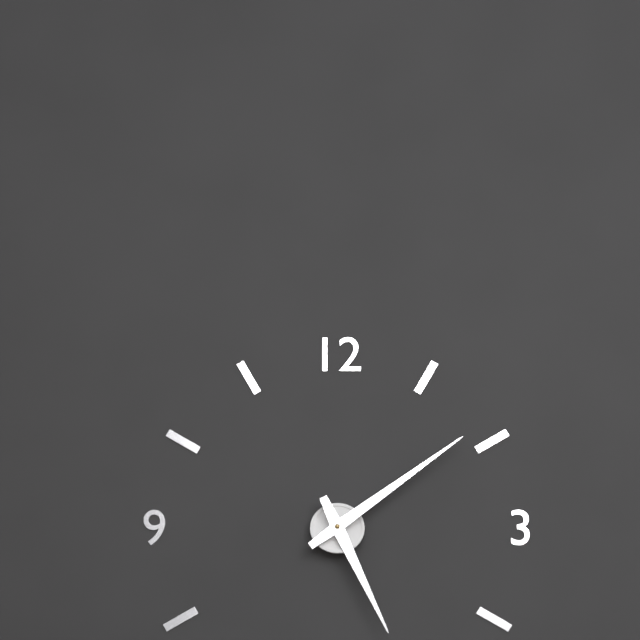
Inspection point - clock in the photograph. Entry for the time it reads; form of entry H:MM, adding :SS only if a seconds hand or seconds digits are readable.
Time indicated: 5:09
